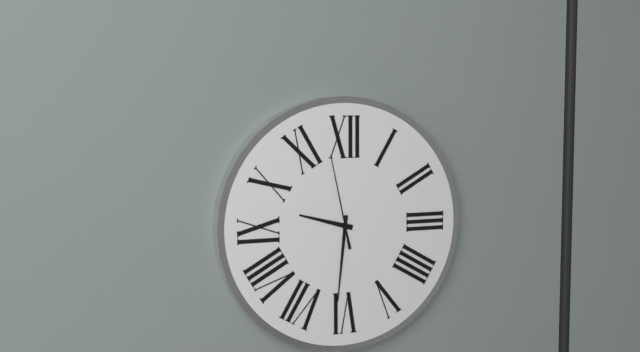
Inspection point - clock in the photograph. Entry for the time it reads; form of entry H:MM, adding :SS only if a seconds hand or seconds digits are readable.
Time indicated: 9:31:58
